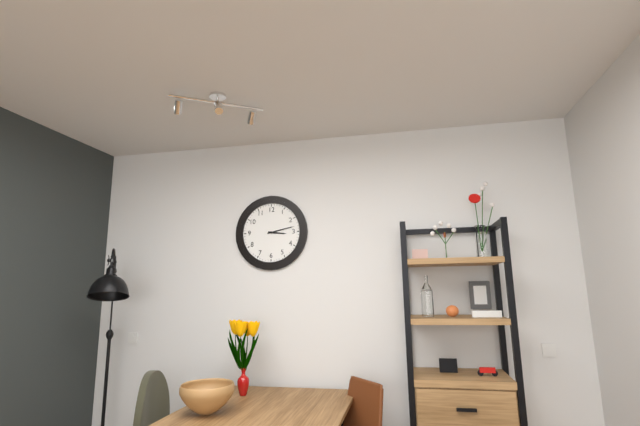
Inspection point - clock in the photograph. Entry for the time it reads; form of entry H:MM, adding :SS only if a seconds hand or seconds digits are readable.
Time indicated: 3:13
